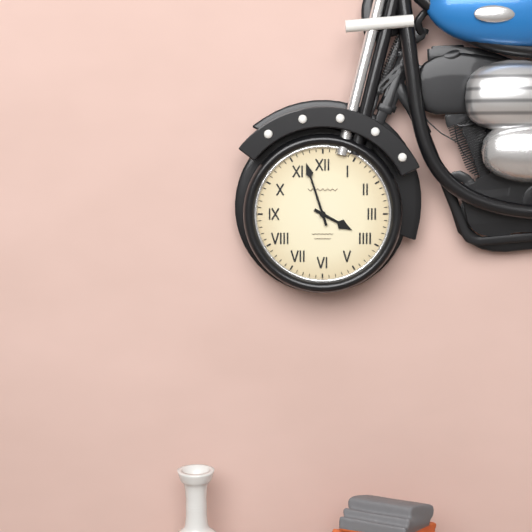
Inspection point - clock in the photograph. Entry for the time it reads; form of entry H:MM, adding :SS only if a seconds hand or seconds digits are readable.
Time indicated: 3:57
